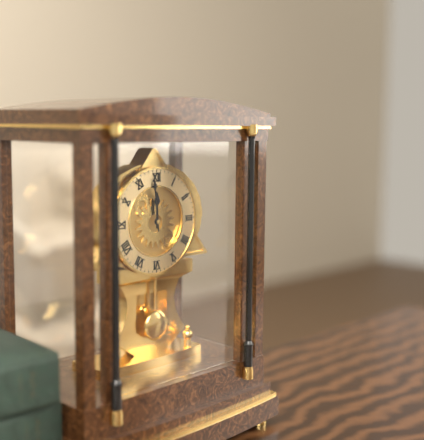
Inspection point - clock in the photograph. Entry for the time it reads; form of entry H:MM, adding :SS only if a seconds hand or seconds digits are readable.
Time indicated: 11:59
